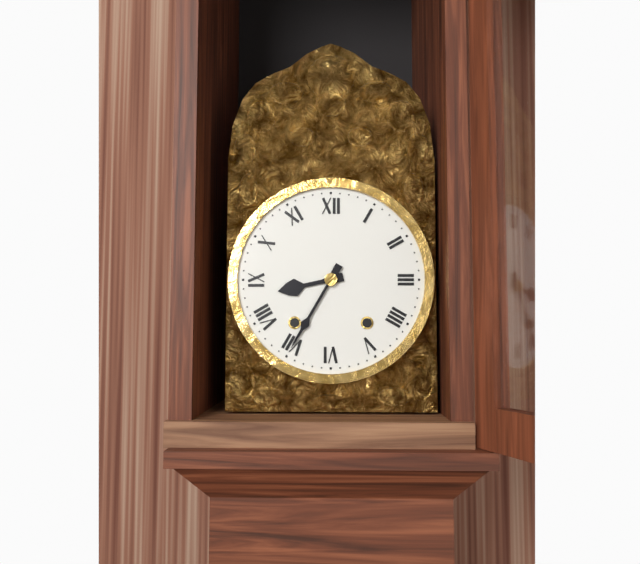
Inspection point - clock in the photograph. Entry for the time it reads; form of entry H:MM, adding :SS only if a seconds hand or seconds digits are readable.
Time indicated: 8:35
